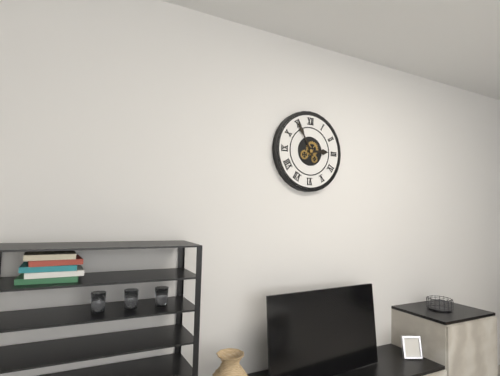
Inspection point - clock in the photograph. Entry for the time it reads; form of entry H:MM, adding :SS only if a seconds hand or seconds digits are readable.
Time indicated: 2:55
